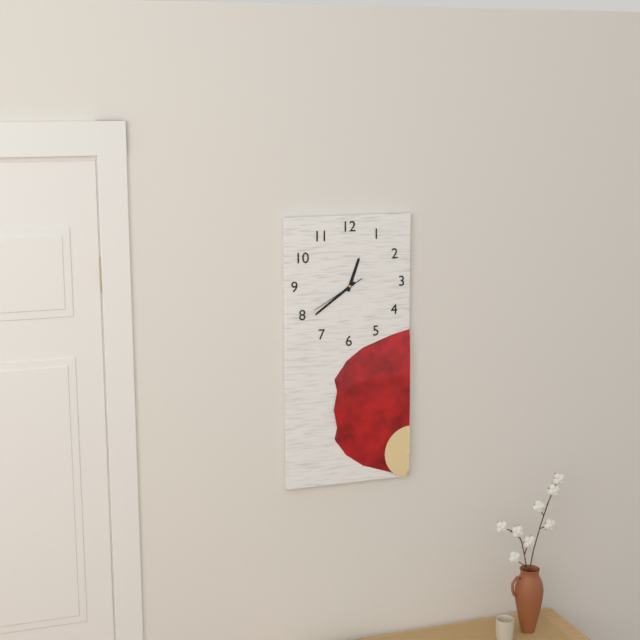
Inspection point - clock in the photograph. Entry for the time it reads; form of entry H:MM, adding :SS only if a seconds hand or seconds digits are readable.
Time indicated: 12:39:40
